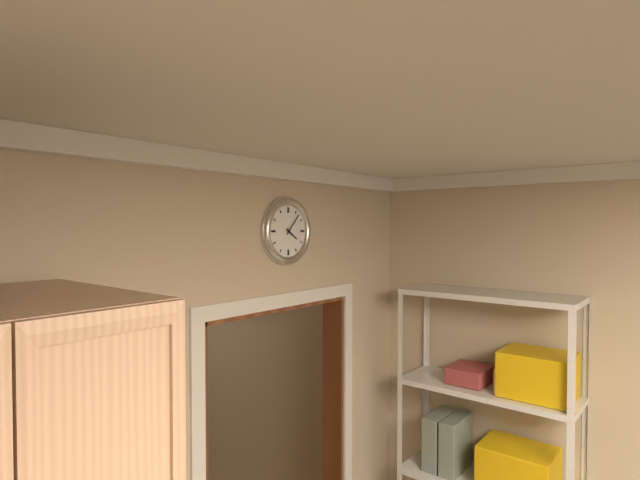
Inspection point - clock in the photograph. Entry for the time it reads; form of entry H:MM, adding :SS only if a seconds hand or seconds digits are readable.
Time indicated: 4:07
